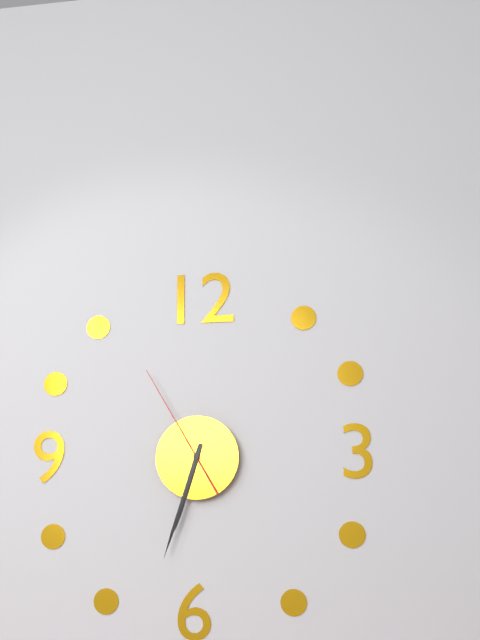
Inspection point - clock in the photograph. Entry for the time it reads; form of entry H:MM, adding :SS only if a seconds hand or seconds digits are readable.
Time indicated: 6:33:55
